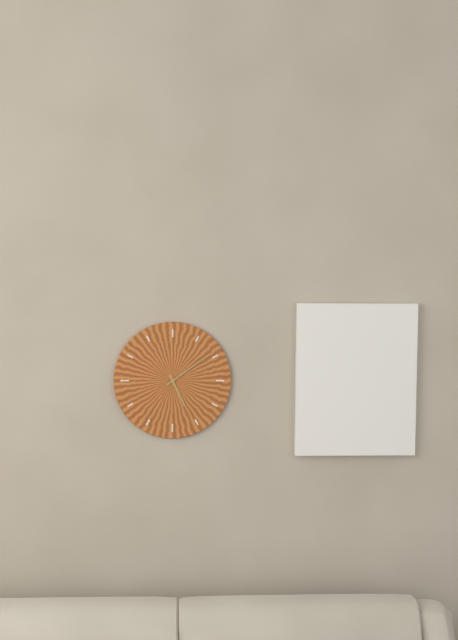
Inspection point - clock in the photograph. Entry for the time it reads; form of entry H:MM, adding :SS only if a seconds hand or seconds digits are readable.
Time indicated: 5:09
